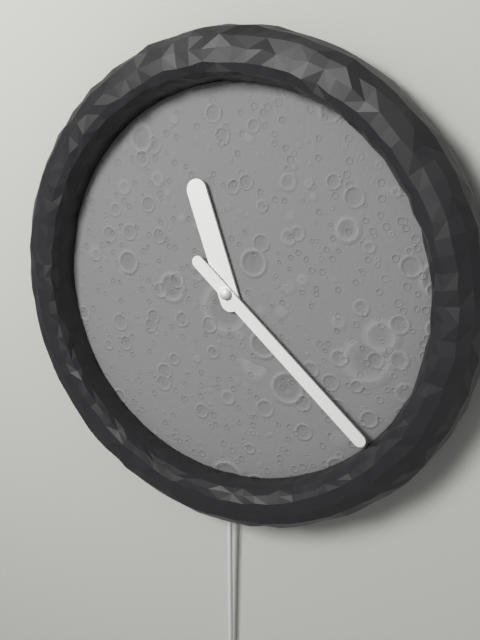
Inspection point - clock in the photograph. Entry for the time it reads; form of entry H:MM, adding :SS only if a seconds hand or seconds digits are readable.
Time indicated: 11:22
